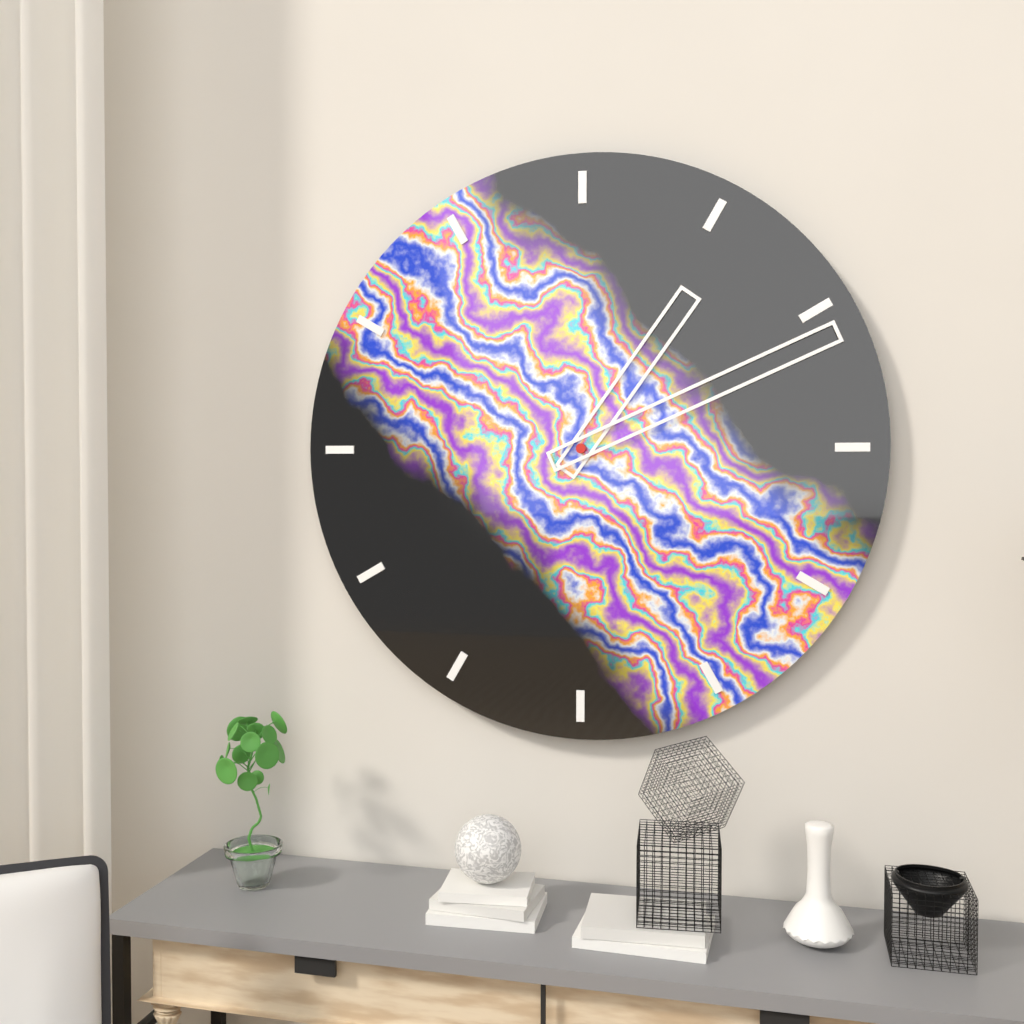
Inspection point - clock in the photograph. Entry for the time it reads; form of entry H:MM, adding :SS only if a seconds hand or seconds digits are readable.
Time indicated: 1:11
